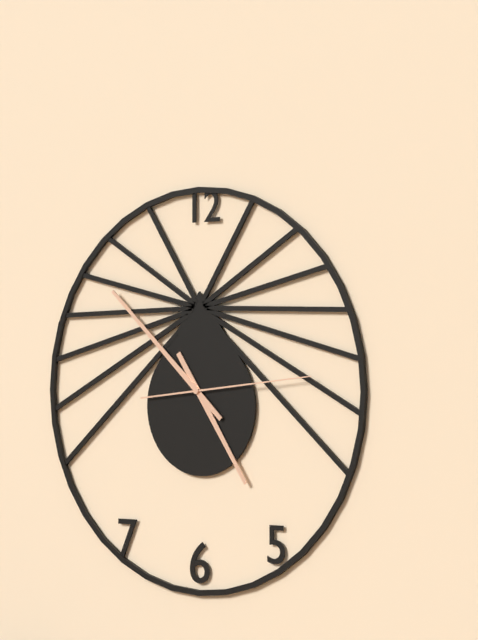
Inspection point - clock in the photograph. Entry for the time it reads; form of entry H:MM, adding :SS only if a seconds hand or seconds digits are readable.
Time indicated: 4:52:14
